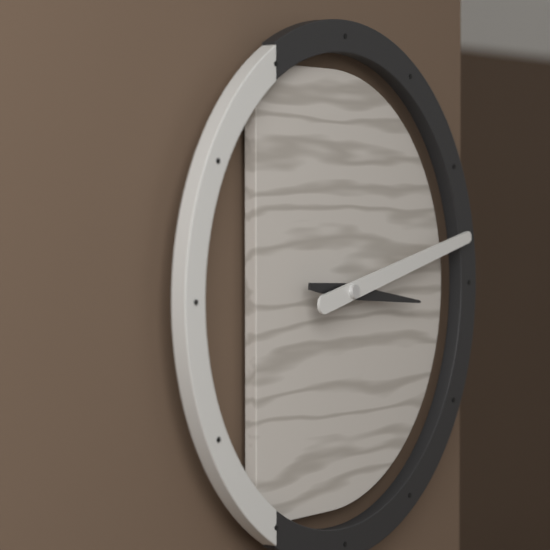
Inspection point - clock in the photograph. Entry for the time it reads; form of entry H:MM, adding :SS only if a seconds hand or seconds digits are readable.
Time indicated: 3:13
